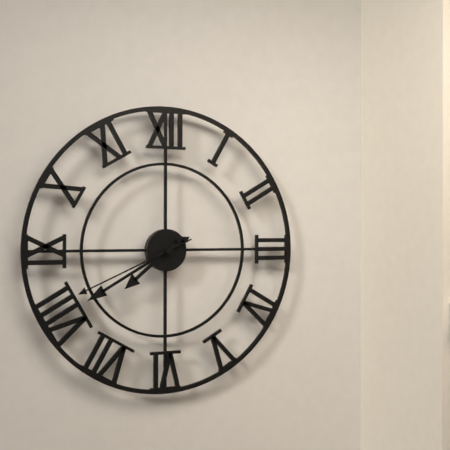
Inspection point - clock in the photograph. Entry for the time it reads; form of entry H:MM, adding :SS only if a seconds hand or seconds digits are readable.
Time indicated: 7:40:41
